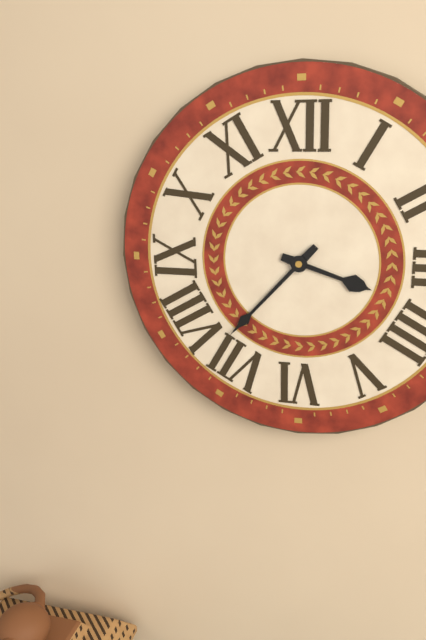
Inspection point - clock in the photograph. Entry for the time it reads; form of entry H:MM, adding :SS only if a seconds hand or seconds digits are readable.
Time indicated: 3:37
